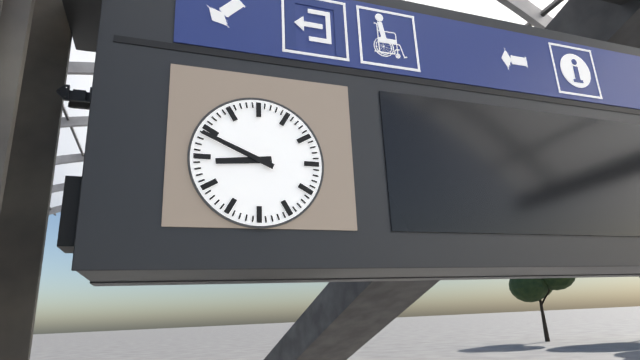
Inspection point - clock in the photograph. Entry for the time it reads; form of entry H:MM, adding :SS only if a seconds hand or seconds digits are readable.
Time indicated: 8:49
